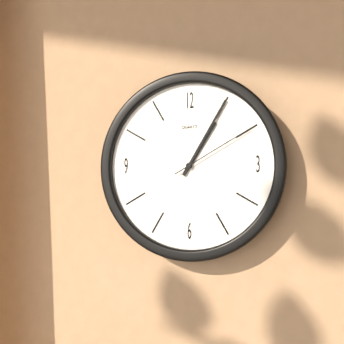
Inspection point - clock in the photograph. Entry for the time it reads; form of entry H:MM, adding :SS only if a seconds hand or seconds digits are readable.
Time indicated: 1:05:10
